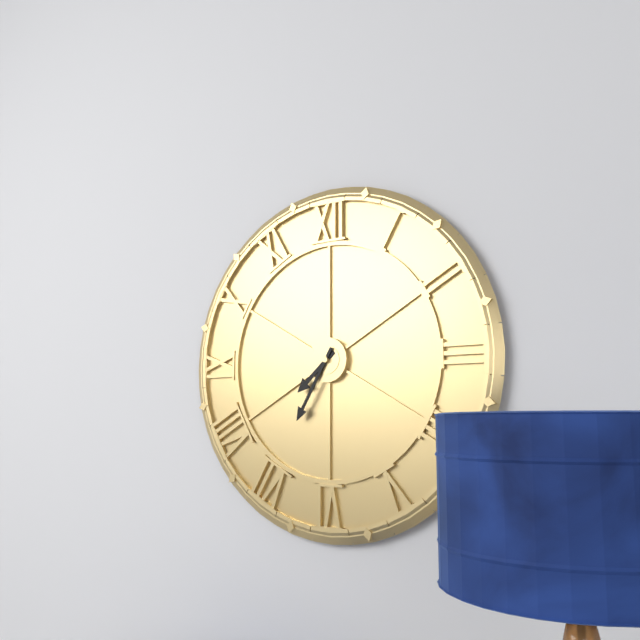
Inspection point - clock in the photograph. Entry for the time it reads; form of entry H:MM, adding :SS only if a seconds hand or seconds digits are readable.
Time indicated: 7:35
